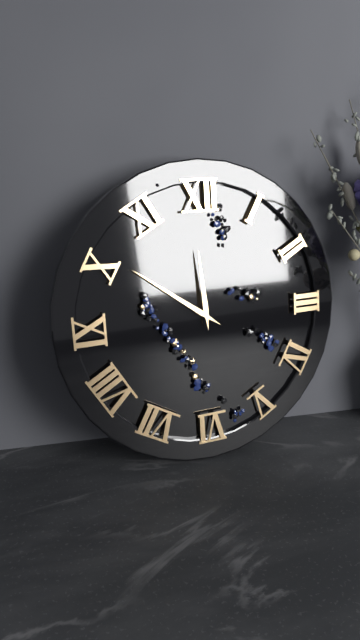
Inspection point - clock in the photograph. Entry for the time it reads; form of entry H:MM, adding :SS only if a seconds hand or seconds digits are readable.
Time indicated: 11:51
